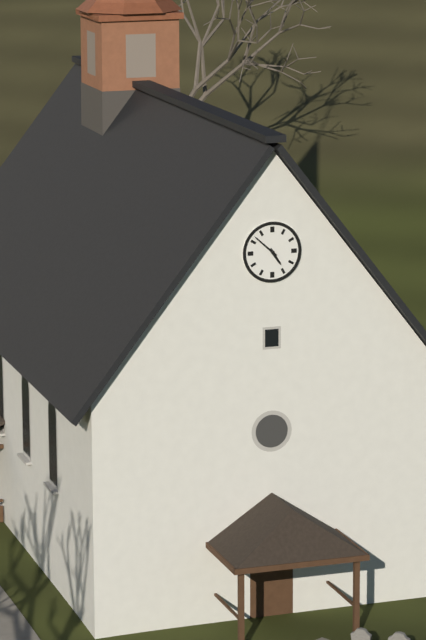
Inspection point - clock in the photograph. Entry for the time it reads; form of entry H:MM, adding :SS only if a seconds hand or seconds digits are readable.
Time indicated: 4:52
